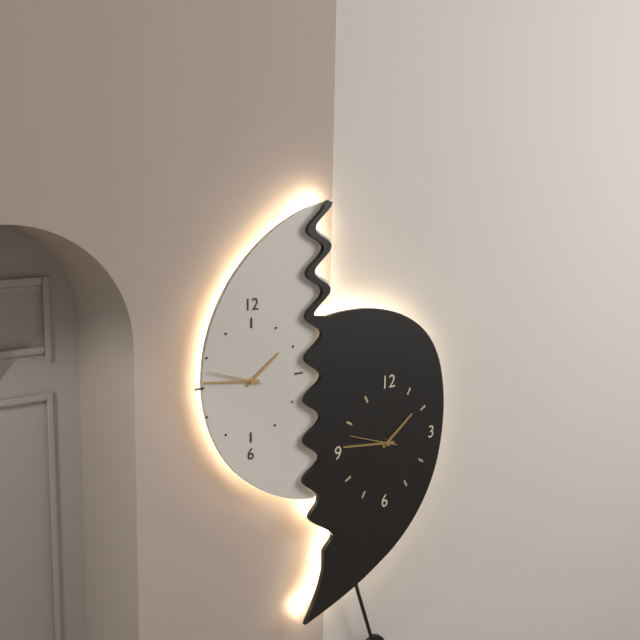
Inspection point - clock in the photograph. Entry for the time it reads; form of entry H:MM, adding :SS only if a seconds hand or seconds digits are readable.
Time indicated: 1:46:48
